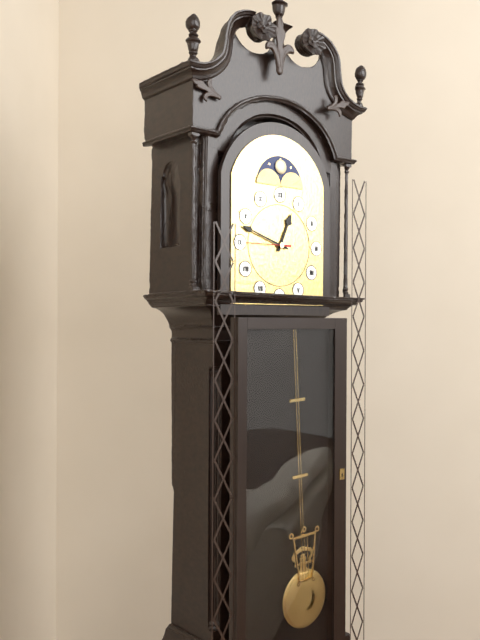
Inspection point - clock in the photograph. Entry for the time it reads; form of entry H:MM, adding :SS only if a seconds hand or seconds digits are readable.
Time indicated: 12:48
